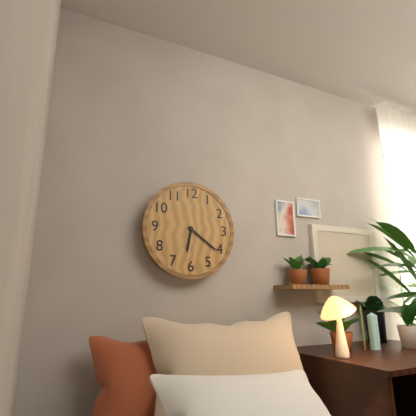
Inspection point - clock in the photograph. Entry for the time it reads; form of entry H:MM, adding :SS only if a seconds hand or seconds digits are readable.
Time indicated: 6:21
